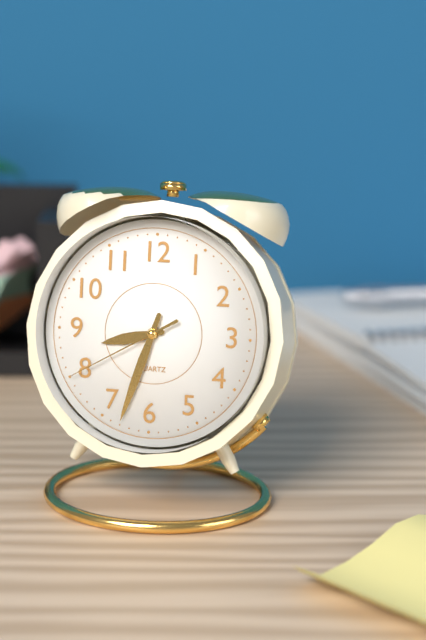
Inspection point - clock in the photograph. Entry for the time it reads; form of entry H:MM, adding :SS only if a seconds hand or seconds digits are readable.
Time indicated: 8:33:40
